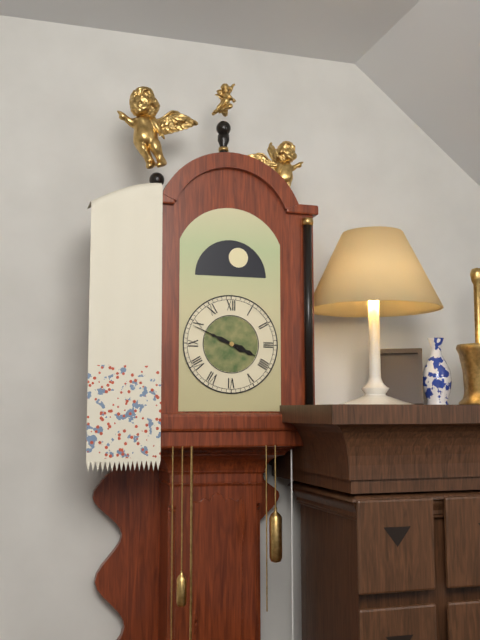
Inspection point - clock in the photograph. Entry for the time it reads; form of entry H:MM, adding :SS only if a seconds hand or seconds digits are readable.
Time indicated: 3:49
